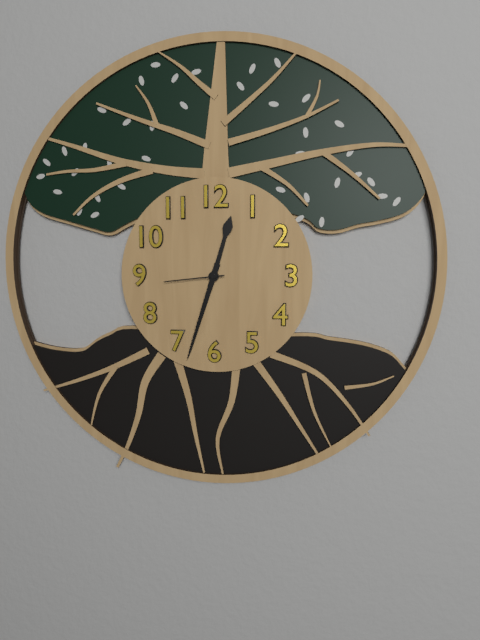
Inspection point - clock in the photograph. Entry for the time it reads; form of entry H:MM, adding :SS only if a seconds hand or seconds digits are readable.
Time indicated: 12:33:44
